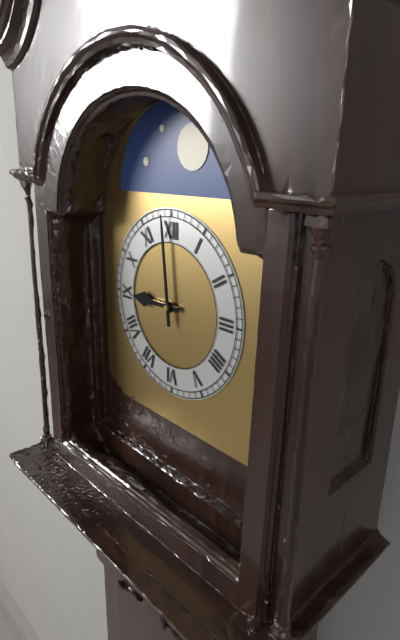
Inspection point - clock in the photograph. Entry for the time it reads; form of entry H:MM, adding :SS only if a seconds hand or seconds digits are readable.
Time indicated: 8:59
